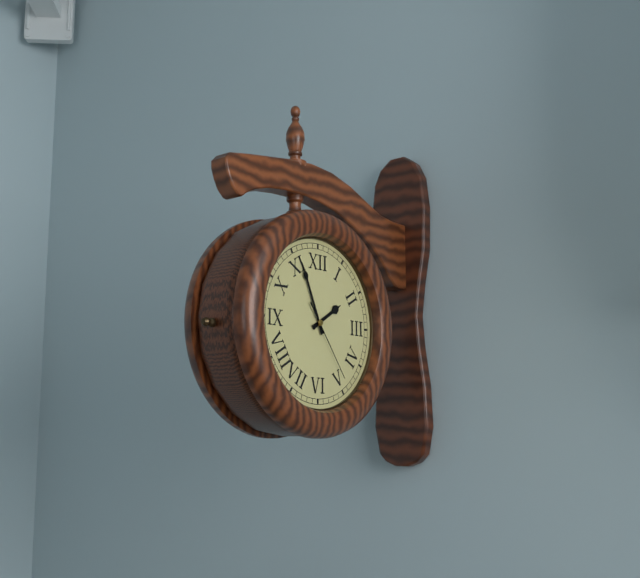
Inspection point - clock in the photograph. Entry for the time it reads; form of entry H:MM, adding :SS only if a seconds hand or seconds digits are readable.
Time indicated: 1:56:24
